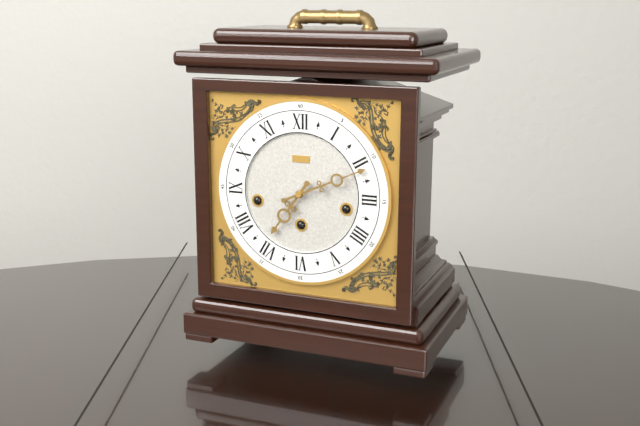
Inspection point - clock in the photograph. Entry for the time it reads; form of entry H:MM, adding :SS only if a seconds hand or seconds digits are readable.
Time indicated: 7:11
